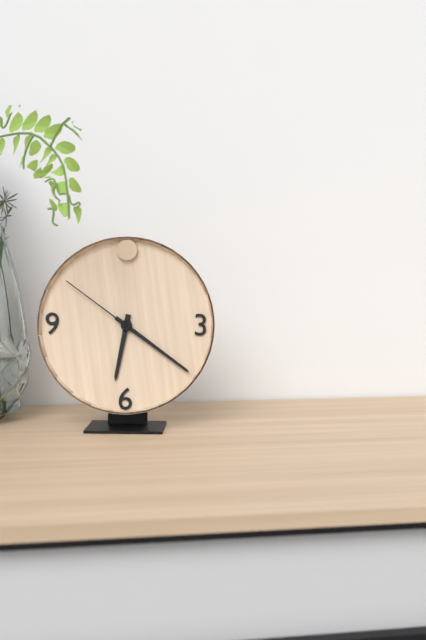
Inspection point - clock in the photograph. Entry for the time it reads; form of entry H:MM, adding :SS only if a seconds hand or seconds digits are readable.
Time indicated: 6:21:51
